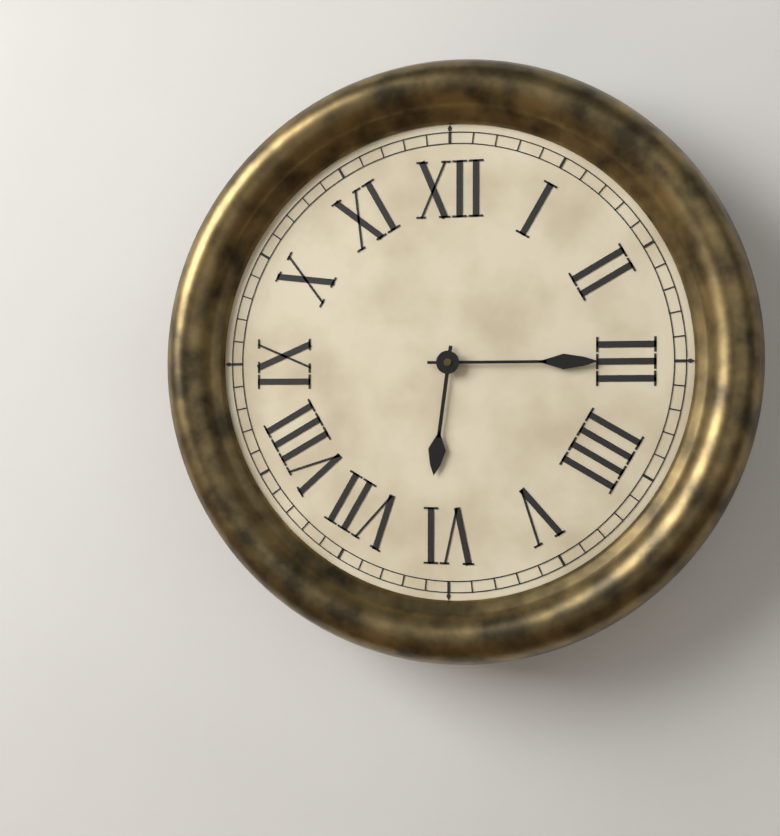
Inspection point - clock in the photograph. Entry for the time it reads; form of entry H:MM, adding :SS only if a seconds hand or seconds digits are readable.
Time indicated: 6:15
